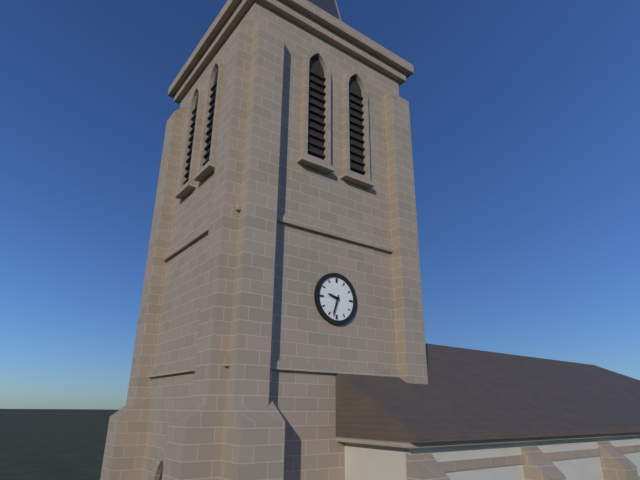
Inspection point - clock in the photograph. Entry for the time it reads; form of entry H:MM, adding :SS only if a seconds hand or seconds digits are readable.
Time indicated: 9:33
